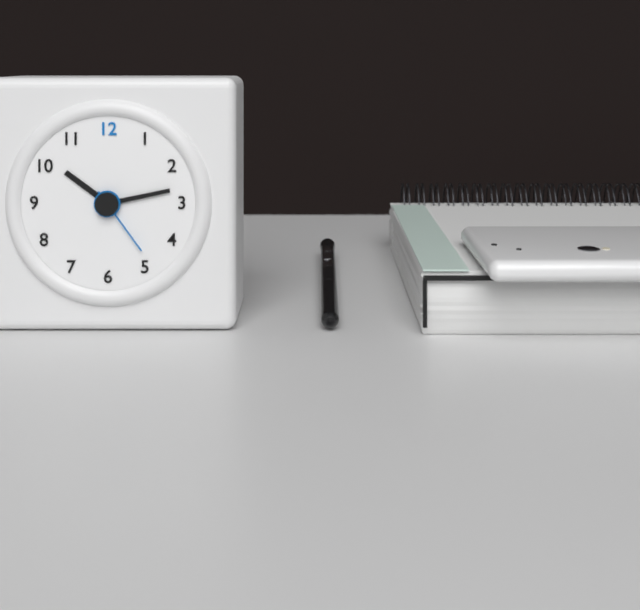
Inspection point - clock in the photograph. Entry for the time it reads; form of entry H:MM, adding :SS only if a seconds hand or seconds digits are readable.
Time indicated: 10:13:24
